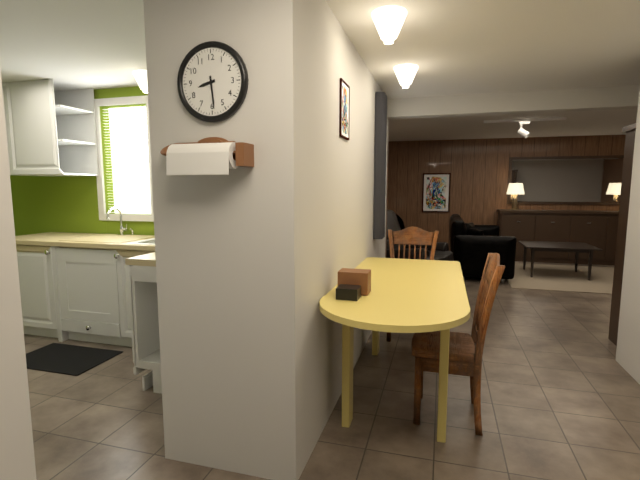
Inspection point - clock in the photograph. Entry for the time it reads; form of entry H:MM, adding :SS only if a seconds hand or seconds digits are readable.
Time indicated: 8:29
